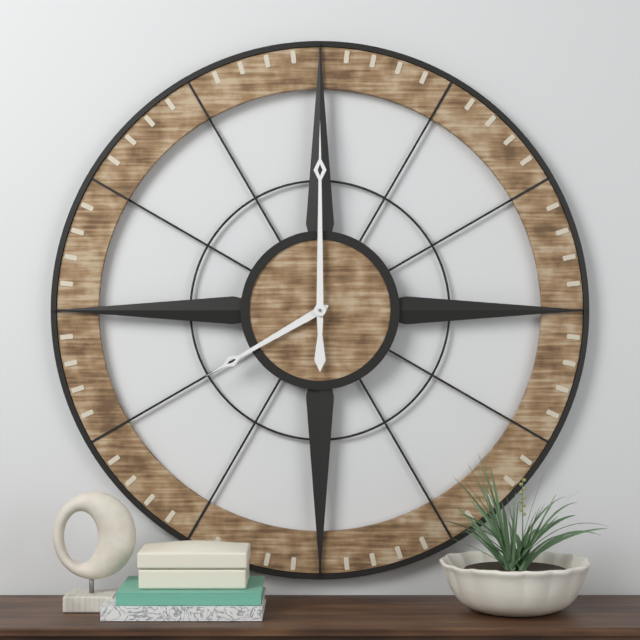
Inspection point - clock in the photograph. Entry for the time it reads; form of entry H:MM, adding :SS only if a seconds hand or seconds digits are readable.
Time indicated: 8:00
